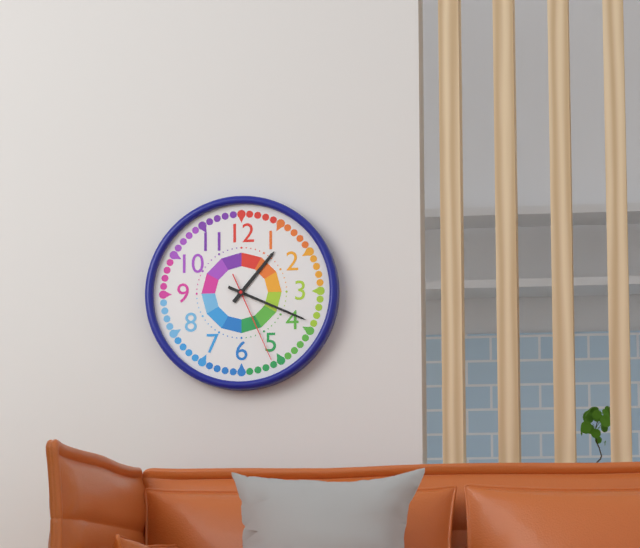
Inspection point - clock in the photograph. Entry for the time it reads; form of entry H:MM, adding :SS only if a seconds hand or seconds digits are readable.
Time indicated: 1:19:26
